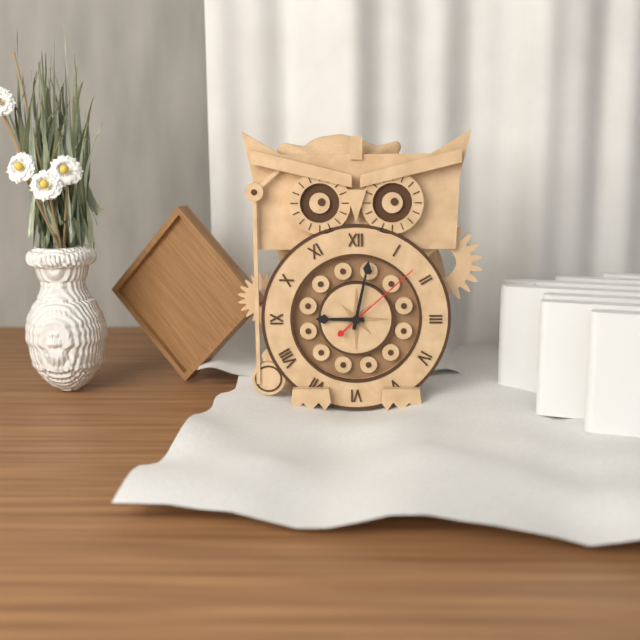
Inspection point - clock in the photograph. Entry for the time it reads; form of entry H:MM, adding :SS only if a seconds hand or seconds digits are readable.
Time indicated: 9:02:08
